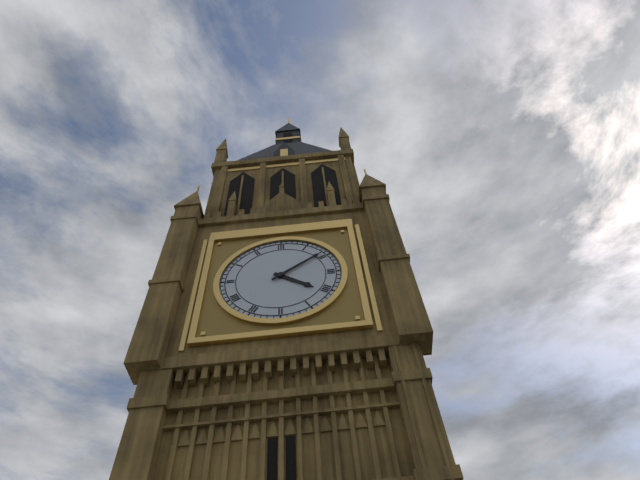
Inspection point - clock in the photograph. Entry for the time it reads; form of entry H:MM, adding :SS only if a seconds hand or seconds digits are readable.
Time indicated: 4:09
